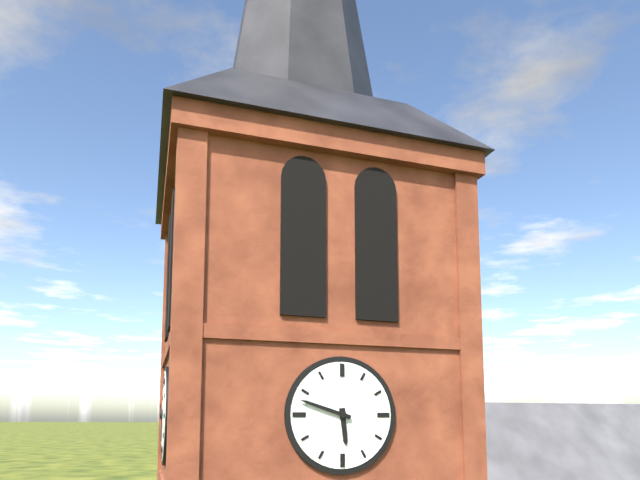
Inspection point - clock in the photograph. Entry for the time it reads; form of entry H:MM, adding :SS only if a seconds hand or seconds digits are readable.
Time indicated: 5:48
